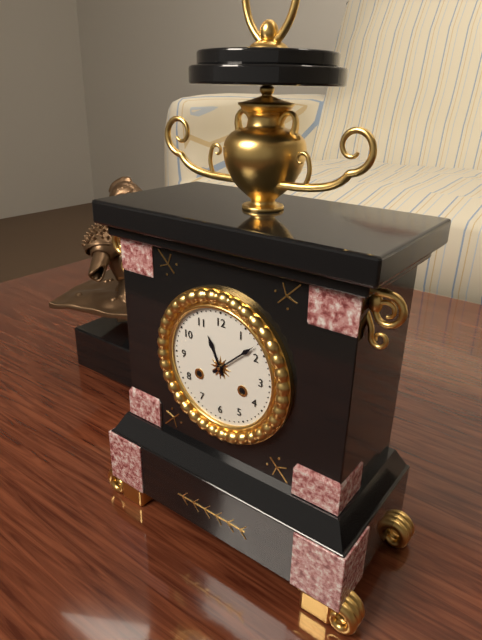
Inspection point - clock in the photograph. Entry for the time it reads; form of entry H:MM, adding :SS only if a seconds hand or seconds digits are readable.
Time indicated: 11:08
